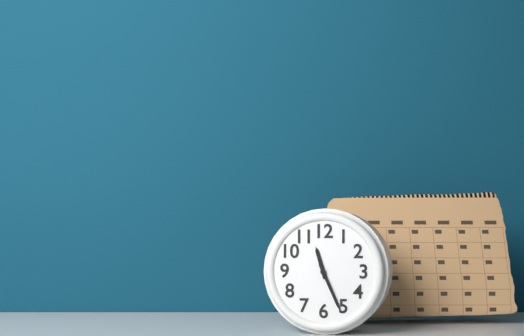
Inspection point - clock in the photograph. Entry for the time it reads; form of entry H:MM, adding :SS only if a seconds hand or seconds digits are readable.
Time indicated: 11:26
